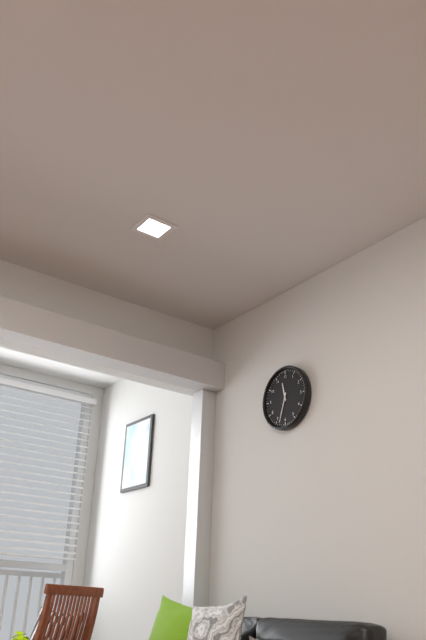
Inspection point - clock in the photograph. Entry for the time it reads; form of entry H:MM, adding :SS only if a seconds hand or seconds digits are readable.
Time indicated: 11:33
